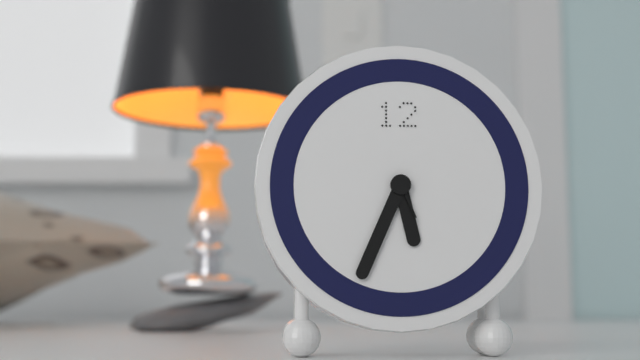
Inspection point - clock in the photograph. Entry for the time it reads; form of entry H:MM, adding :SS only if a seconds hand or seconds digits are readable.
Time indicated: 5:34
